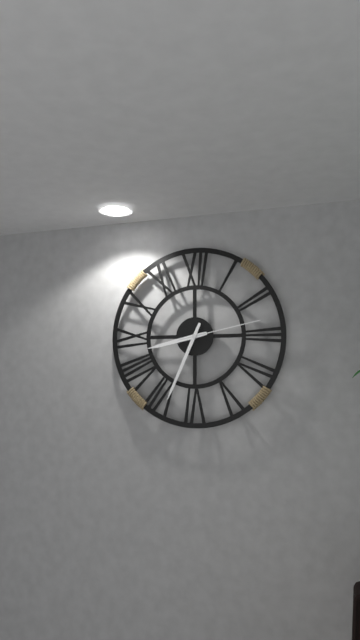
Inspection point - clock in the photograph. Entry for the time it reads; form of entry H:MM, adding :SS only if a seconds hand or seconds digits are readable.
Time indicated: 8:34:13
